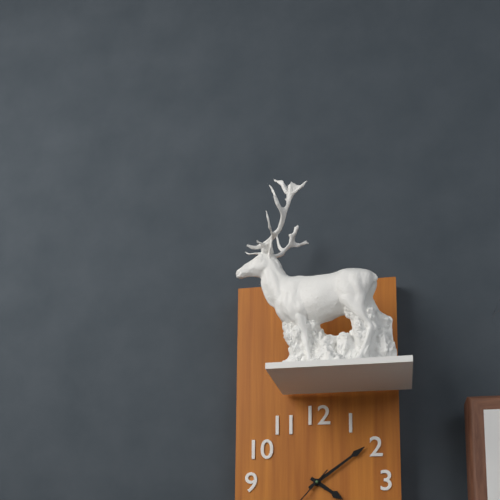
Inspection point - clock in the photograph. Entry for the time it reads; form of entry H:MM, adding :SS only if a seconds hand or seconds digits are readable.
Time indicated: 4:09
